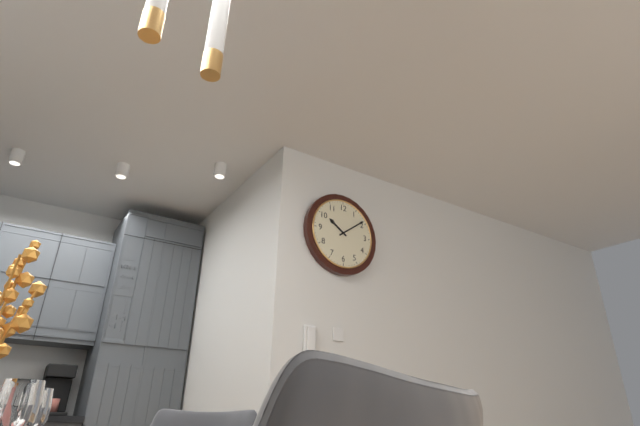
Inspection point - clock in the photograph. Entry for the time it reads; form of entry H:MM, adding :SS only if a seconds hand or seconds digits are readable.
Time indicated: 10:09
